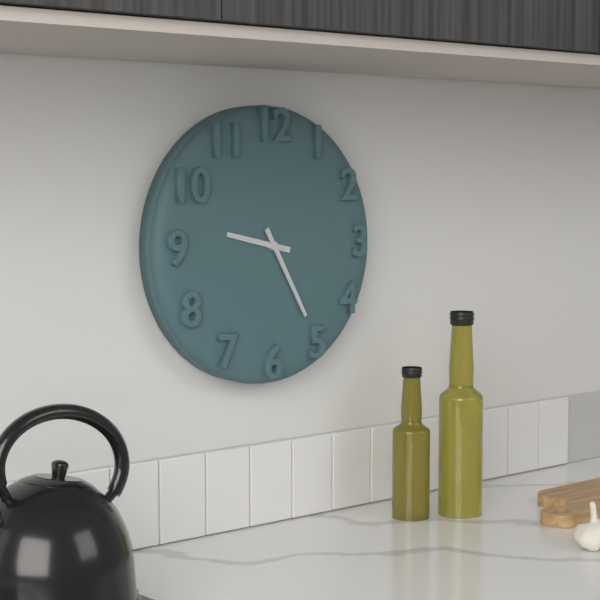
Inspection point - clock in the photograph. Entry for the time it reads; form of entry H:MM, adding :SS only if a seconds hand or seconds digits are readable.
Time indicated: 9:25
